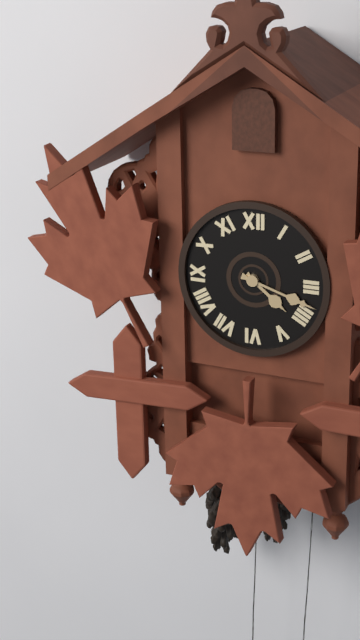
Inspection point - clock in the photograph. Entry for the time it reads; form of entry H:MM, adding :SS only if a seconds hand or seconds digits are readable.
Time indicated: 4:18
